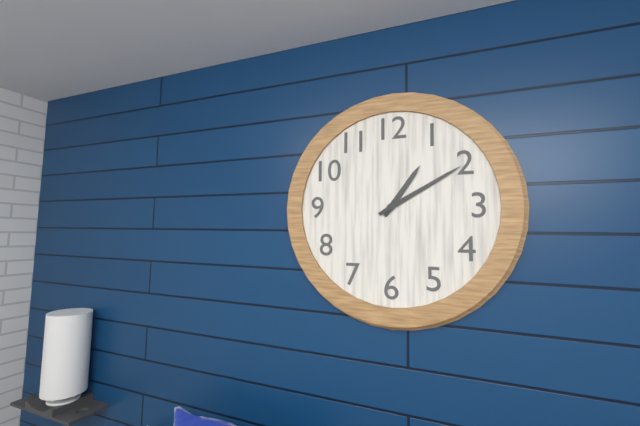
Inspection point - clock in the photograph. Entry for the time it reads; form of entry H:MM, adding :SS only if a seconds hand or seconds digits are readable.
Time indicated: 1:10
